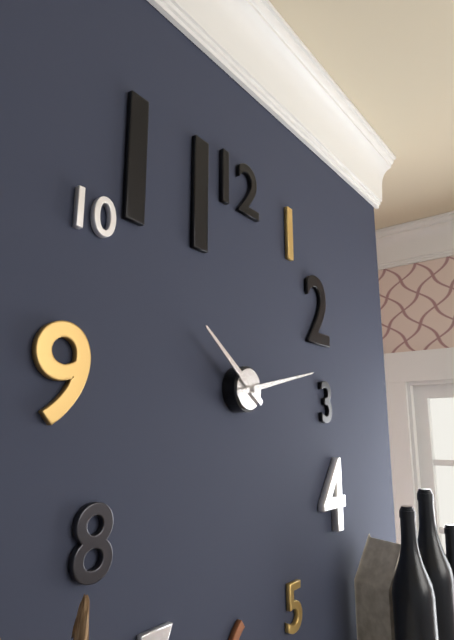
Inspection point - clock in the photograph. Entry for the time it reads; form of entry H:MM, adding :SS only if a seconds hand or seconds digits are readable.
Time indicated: 10:13
